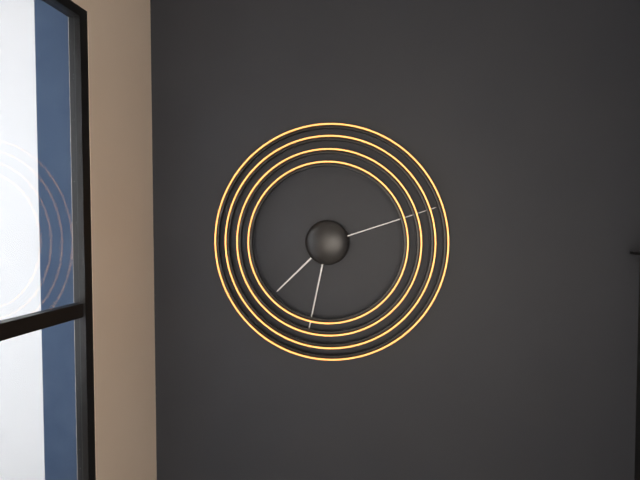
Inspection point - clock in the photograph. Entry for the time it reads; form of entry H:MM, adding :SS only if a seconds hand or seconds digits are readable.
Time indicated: 7:32:12
